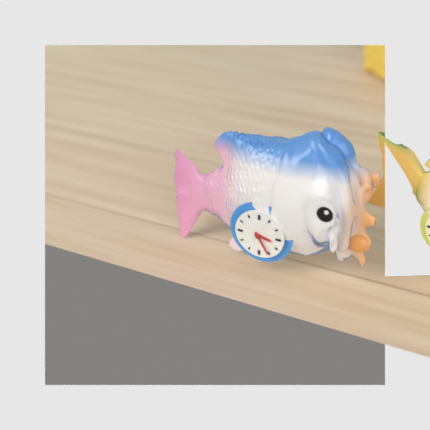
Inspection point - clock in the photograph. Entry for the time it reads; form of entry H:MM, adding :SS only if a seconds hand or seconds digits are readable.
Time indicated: 3:25
